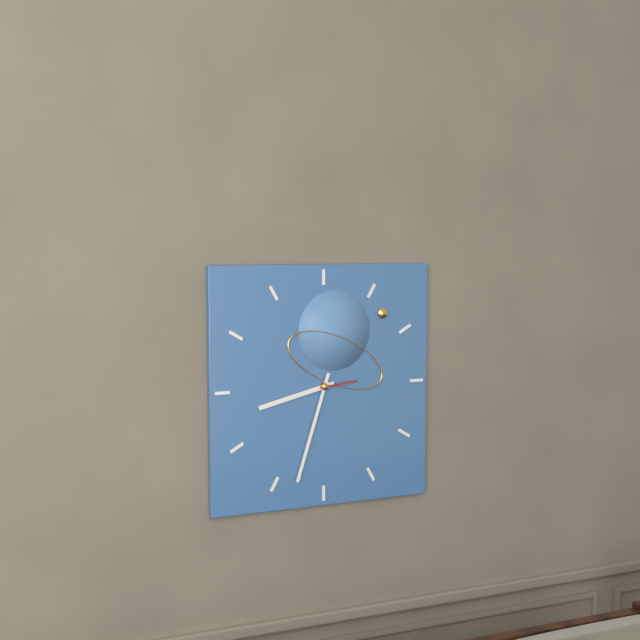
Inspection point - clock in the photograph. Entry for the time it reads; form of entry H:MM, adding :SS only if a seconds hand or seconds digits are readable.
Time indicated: 8:33
